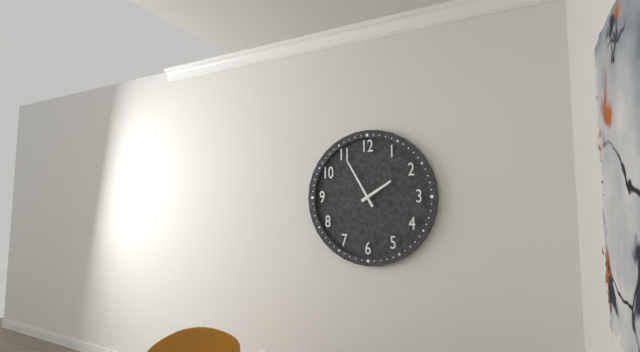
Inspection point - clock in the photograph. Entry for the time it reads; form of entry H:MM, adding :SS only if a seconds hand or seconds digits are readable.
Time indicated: 1:55
